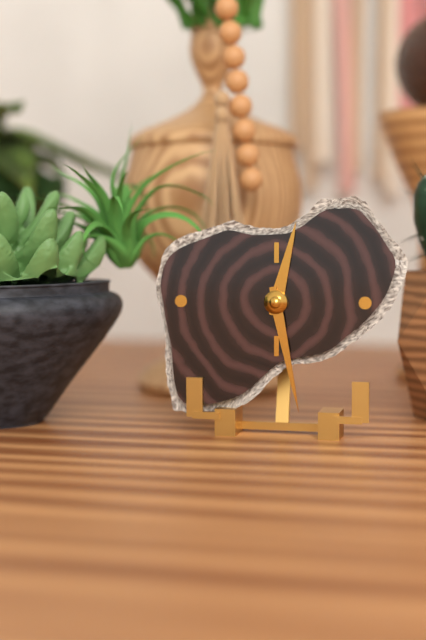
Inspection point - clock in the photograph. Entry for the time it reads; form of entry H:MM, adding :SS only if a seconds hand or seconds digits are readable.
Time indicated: 12:28
